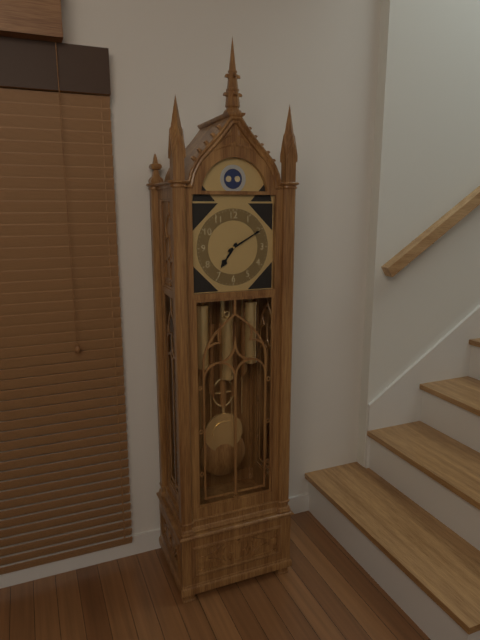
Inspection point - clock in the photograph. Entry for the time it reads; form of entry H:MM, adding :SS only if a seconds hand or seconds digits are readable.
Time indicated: 7:10
